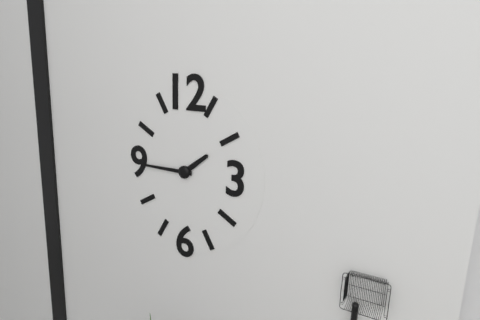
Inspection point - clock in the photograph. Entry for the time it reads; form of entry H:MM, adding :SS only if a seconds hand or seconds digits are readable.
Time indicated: 1:45
